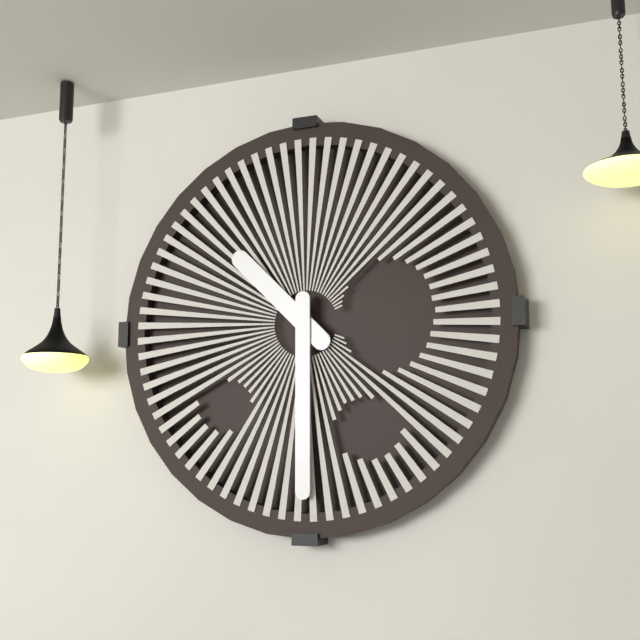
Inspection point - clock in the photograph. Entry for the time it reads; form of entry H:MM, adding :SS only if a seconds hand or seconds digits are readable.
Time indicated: 10:30
